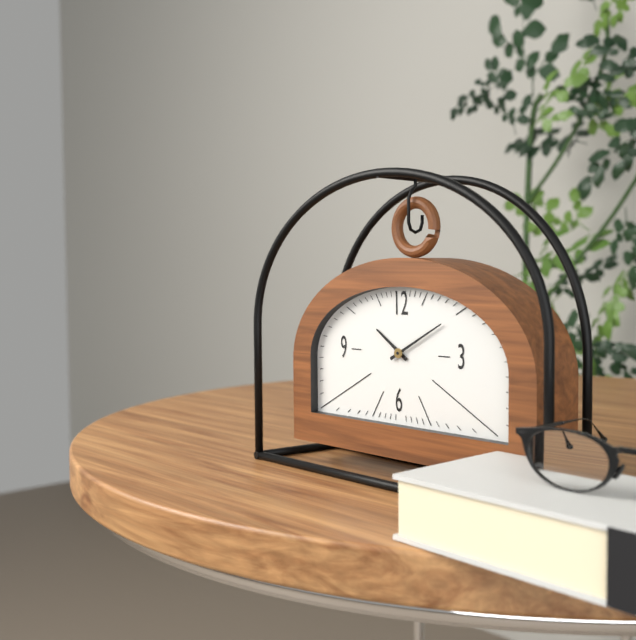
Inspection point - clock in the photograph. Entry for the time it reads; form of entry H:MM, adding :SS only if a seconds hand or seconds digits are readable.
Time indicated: 10:10
